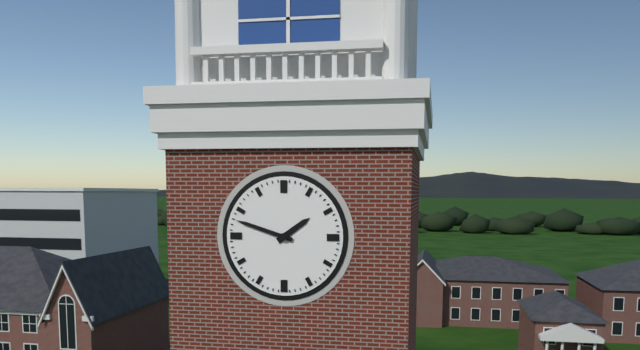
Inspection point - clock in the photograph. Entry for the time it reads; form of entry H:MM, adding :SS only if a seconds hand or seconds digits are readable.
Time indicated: 1:48
